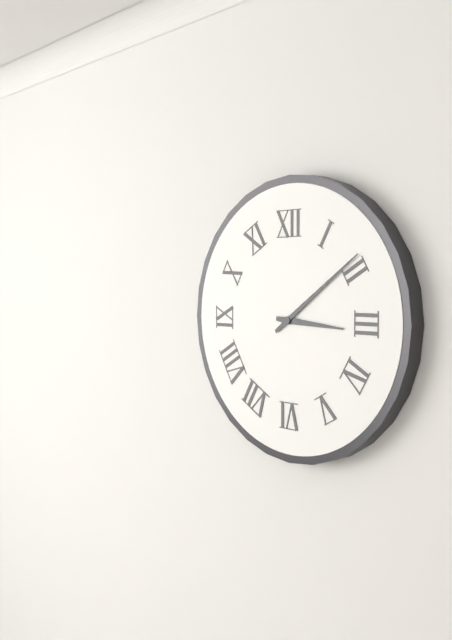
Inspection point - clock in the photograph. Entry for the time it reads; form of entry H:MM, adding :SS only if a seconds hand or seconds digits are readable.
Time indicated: 3:09
